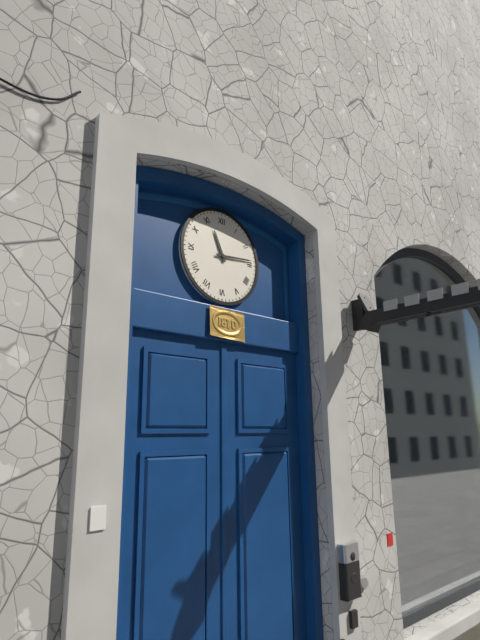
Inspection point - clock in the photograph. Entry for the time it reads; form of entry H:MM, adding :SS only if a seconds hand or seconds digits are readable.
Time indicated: 11:14
